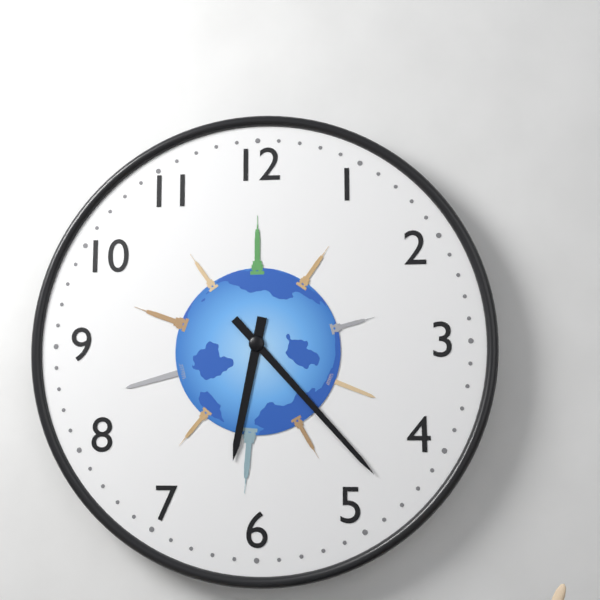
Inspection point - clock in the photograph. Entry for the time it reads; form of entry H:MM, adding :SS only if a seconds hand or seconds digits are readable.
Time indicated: 6:23
